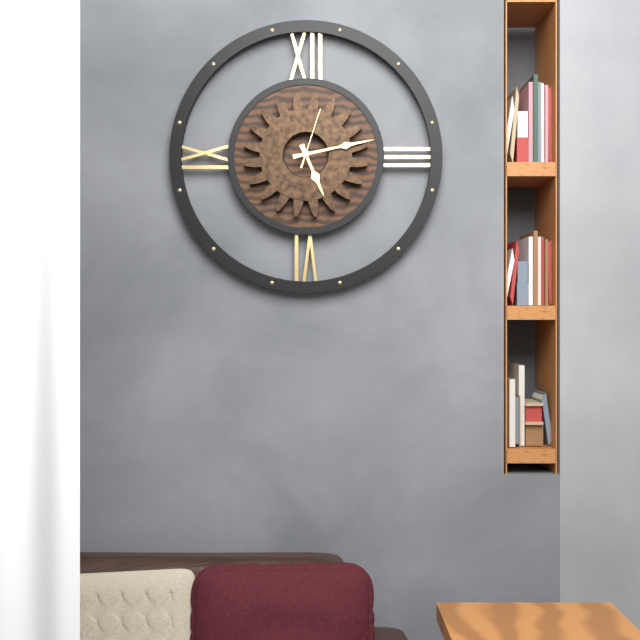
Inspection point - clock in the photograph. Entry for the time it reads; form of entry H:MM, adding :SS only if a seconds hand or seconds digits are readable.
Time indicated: 5:13:03
